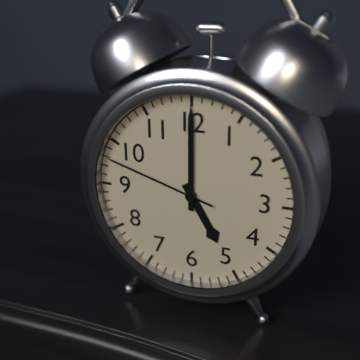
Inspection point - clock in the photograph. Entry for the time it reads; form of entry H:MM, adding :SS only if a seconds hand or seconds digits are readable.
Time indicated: 5:00:48
